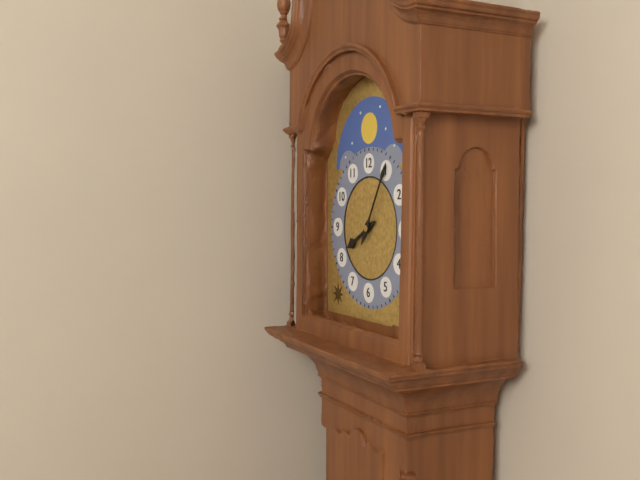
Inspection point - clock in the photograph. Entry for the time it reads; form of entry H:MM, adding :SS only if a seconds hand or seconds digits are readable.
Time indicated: 8:05
